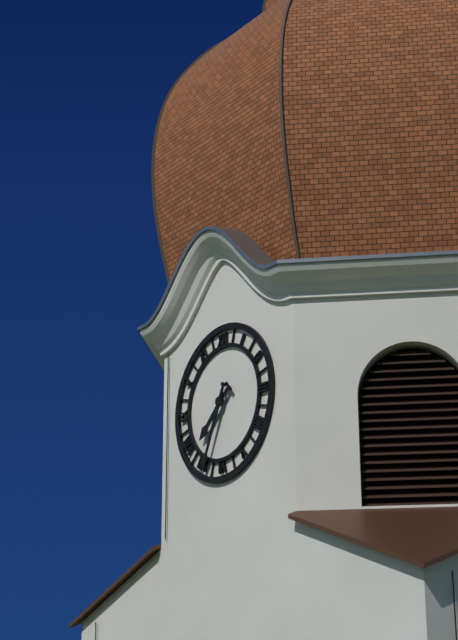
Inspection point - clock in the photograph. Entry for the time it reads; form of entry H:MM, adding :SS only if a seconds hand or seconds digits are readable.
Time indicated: 7:34
